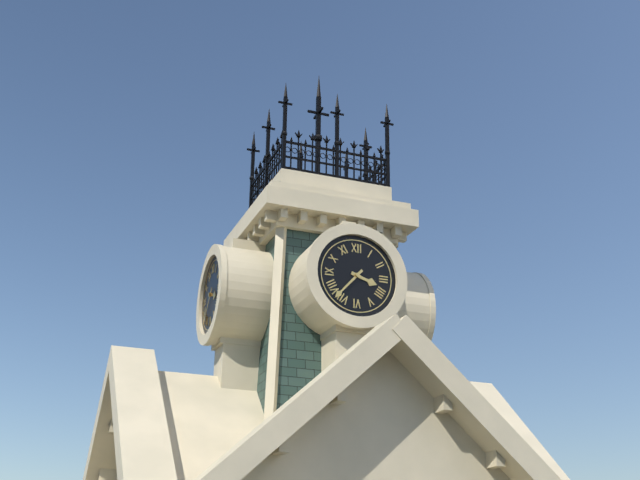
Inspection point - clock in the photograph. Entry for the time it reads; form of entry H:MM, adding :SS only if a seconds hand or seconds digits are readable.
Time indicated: 3:37
